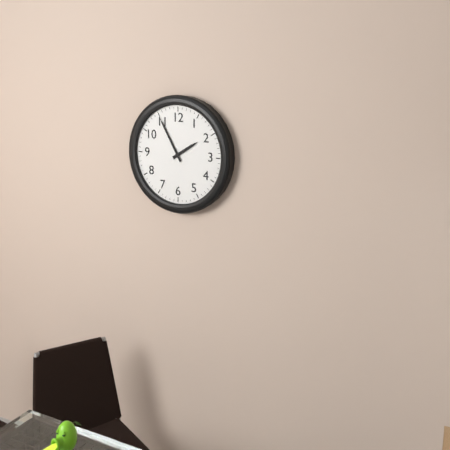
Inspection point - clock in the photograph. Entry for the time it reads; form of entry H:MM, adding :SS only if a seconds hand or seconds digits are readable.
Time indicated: 1:55
